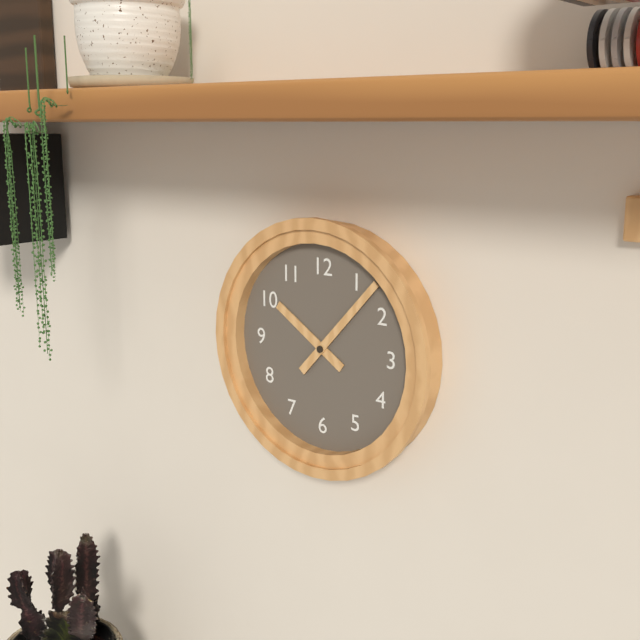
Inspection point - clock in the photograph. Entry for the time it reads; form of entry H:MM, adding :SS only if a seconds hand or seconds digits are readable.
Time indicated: 10:07
